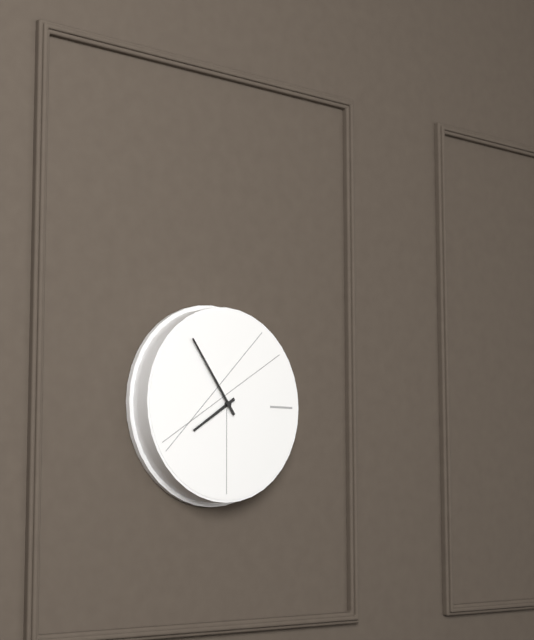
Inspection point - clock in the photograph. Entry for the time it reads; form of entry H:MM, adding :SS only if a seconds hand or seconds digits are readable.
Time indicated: 7:54
